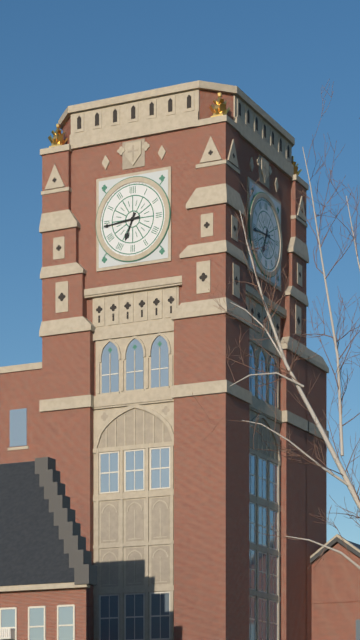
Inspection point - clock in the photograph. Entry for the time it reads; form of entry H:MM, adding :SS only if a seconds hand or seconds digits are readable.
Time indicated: 6:44
